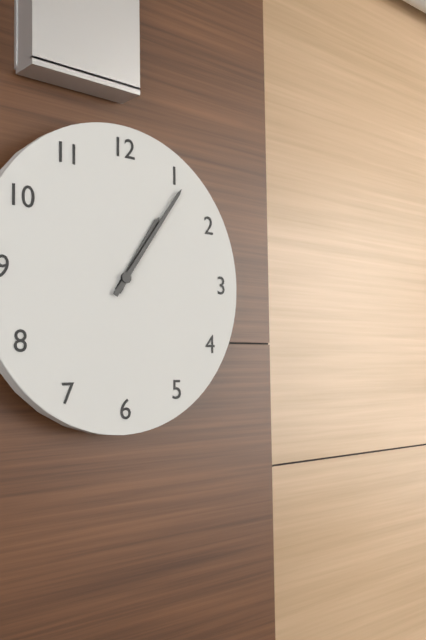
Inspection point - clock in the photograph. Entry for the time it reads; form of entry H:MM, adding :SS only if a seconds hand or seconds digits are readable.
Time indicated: 1:06
